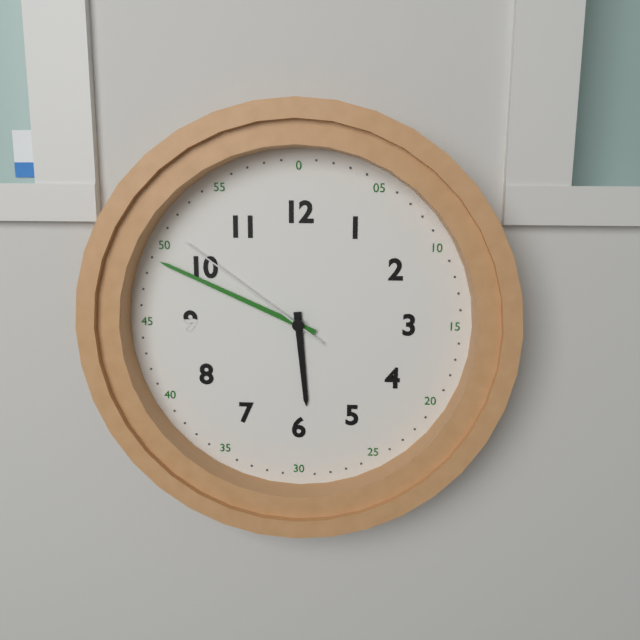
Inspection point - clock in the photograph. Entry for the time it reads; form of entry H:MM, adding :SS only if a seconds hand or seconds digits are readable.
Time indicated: 5:49:51
